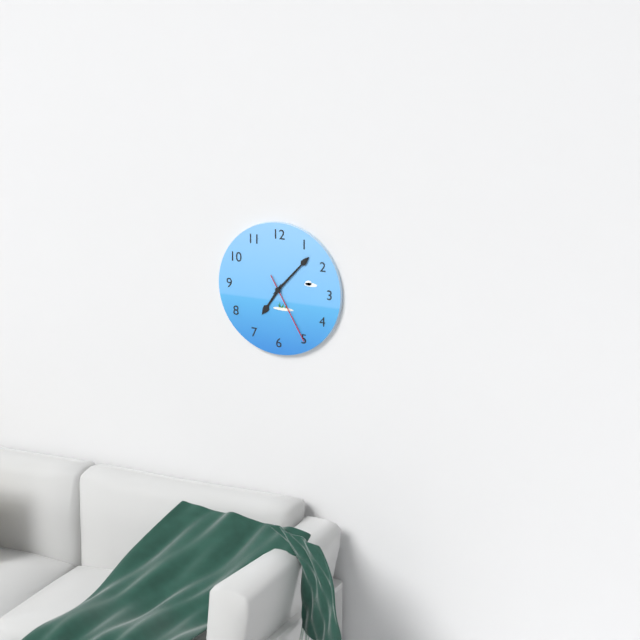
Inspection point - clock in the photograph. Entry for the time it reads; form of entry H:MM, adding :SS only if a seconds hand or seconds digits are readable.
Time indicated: 7:07:25
